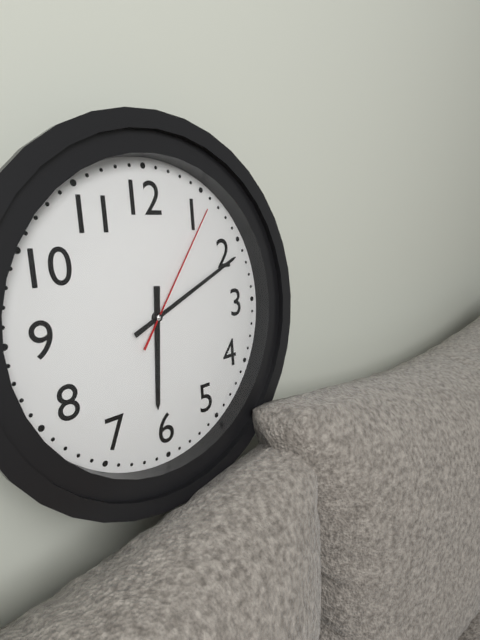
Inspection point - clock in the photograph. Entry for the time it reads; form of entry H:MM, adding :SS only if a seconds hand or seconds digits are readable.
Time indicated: 6:11:06
